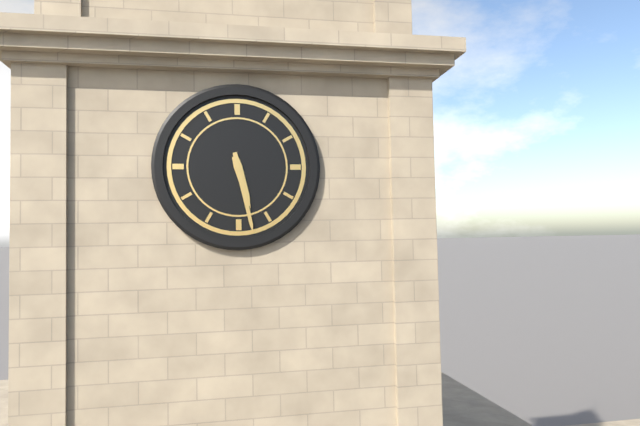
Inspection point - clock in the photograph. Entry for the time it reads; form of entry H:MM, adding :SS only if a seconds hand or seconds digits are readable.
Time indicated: 5:28
